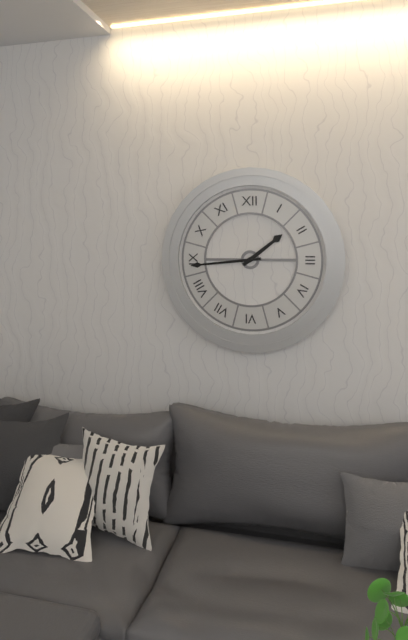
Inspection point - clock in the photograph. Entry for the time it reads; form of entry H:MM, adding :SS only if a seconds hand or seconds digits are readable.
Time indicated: 1:44
